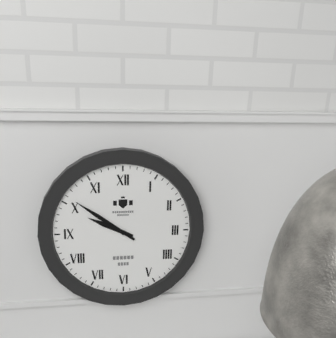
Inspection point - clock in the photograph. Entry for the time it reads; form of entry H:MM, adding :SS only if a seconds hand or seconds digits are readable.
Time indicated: 9:51
